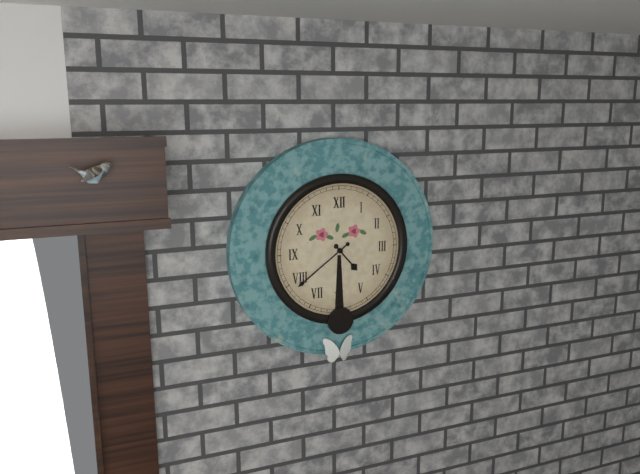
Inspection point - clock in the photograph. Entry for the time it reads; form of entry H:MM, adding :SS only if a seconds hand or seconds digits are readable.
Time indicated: 4:39
